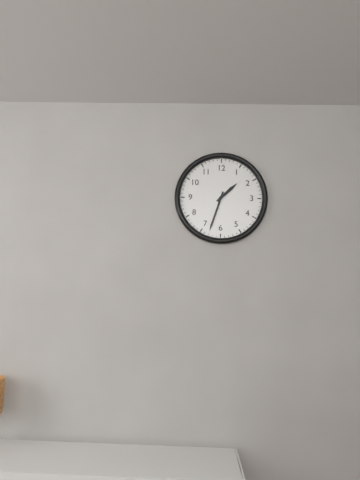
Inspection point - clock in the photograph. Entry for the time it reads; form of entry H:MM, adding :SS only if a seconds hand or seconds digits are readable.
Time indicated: 1:33
